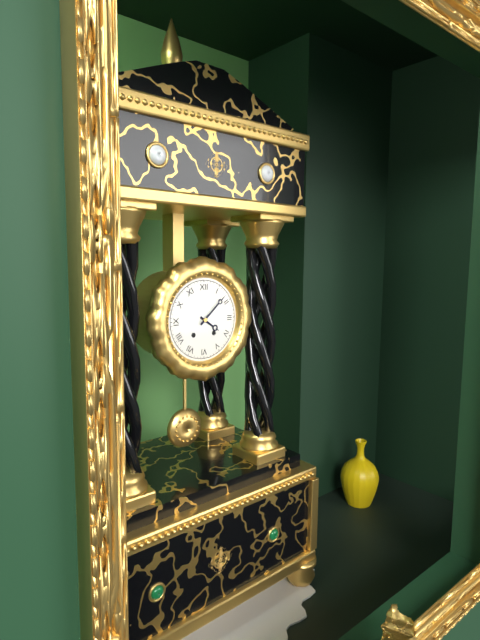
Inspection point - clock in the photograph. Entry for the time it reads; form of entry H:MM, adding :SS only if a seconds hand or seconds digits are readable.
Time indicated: 4:08
